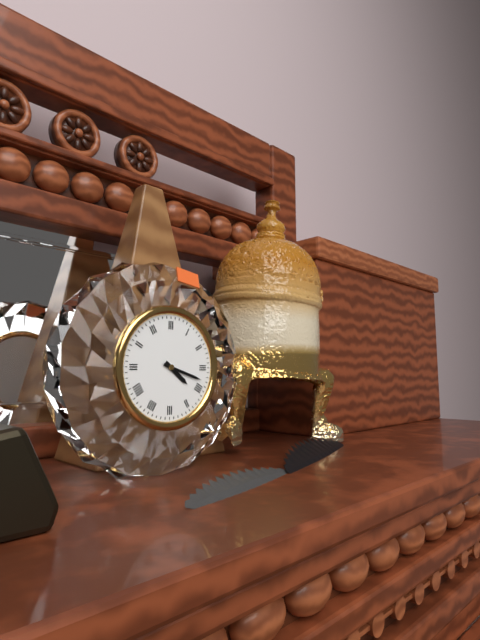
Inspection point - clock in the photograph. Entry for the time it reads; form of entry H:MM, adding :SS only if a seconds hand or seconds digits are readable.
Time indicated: 4:18
